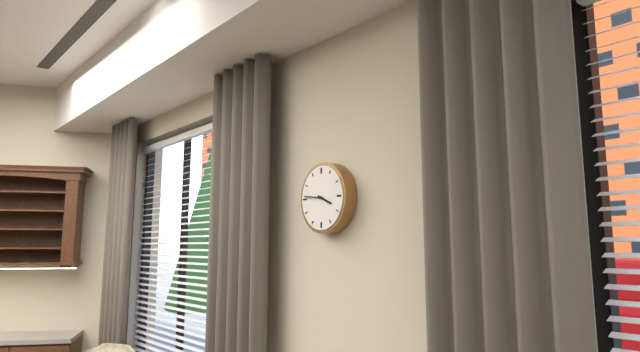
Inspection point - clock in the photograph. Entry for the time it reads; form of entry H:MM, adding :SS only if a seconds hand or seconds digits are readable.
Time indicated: 3:46
